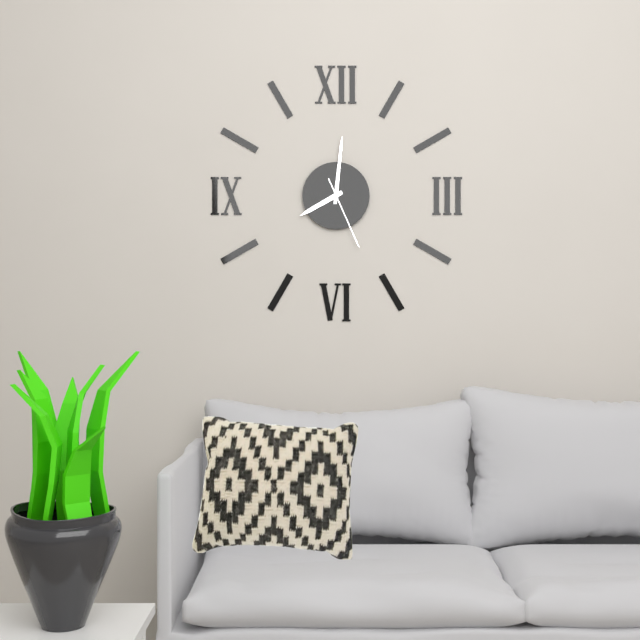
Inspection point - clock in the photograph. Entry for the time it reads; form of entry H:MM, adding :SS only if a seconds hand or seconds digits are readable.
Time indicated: 8:01:26
